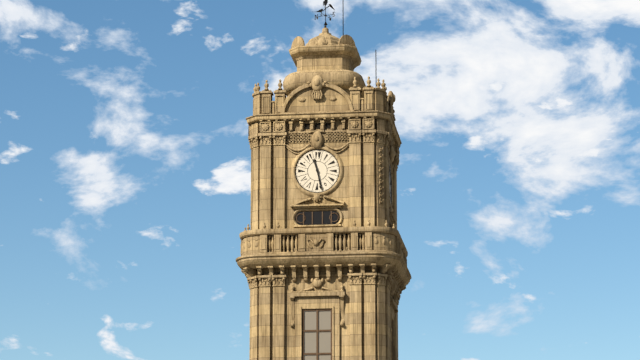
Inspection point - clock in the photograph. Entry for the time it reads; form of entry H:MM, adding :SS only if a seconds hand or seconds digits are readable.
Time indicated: 11:28
